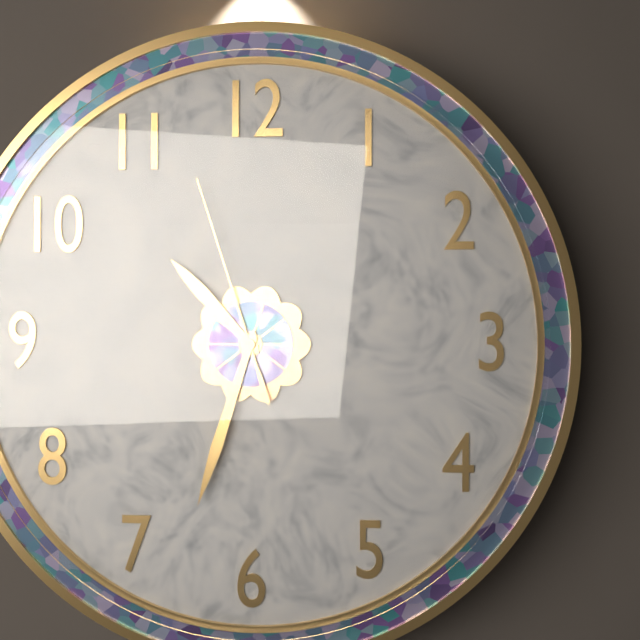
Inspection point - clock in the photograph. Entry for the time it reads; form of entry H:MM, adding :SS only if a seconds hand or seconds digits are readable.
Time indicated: 10:33:57
